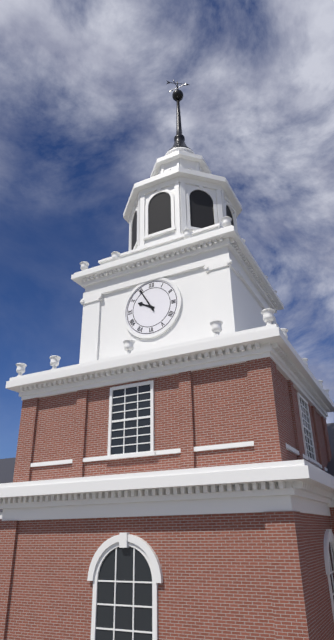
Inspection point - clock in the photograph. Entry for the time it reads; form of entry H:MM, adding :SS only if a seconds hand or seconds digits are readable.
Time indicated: 9:55
